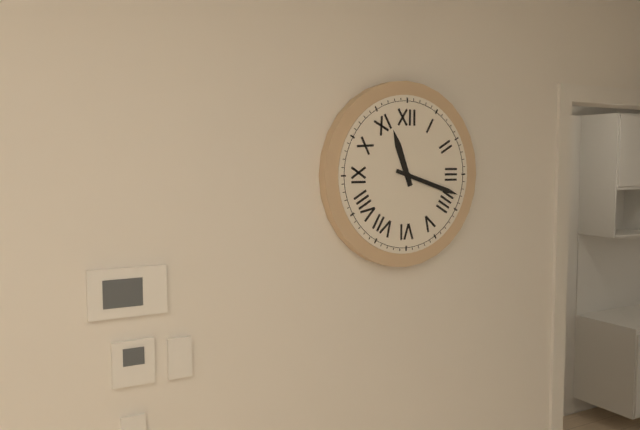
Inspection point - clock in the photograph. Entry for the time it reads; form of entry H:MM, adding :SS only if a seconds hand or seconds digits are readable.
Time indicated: 11:18
